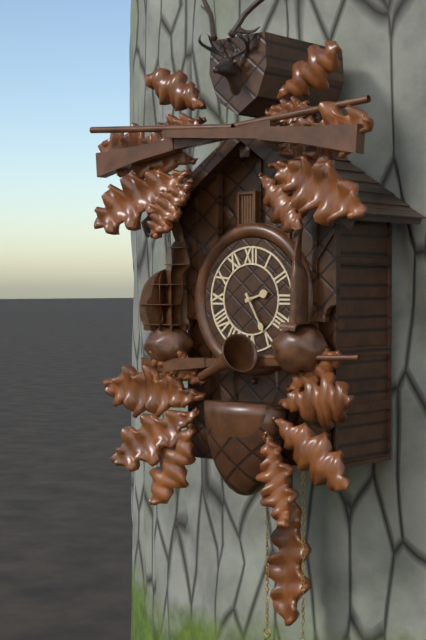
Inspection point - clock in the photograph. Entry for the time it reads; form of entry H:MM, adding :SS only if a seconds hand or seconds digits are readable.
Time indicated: 2:25
